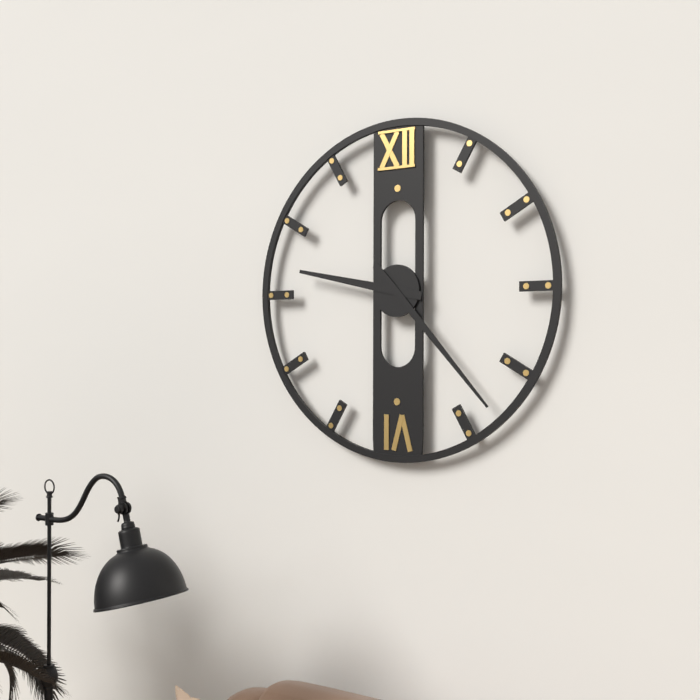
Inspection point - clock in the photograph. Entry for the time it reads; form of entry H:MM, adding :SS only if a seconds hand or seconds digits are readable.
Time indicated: 9:23
